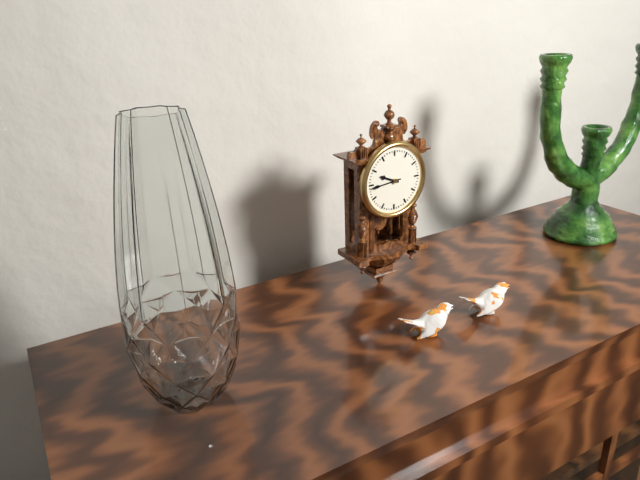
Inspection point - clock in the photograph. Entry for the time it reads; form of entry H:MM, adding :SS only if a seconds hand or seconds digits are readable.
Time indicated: 9:44
